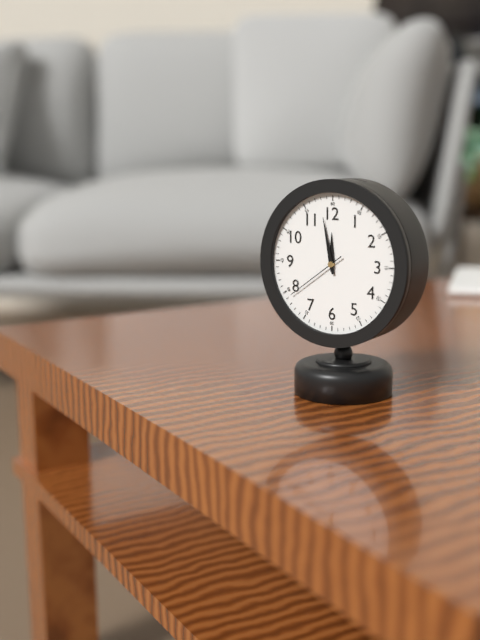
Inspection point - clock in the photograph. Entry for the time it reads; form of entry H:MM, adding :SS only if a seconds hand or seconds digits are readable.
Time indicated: 11:58:39
